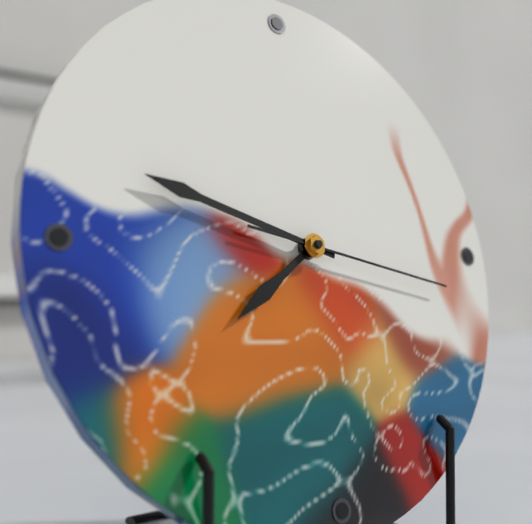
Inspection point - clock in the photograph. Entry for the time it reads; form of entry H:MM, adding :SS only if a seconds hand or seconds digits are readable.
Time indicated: 7:48:17
